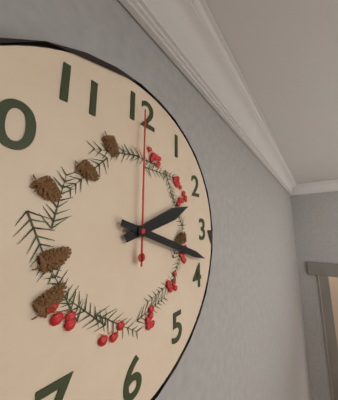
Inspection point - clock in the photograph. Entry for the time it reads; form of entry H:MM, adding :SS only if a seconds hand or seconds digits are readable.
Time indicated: 2:18:00
